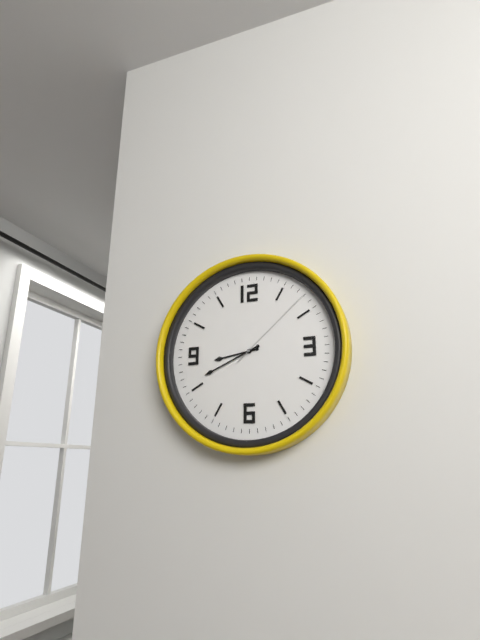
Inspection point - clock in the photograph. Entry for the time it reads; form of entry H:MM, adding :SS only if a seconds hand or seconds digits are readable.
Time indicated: 8:41:08
